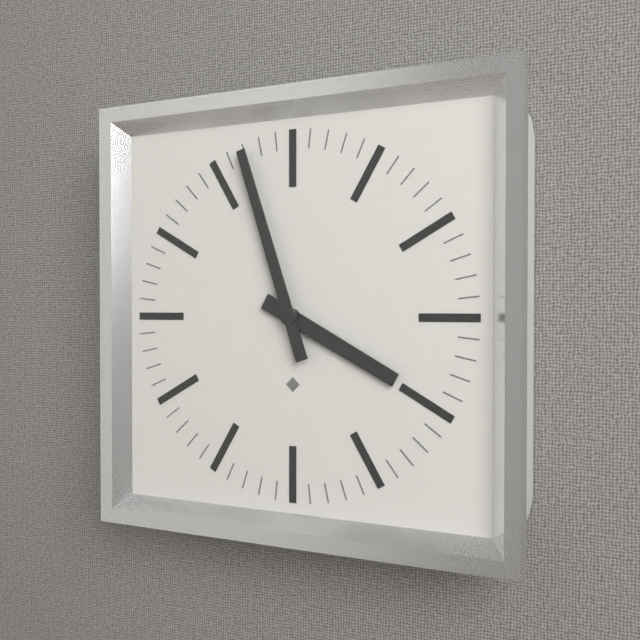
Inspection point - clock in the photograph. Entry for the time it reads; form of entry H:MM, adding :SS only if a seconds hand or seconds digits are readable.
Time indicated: 3:57
